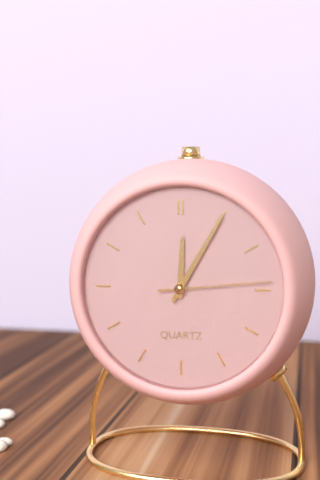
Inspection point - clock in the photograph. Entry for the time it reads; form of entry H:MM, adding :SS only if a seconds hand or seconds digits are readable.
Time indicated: 12:05:14
